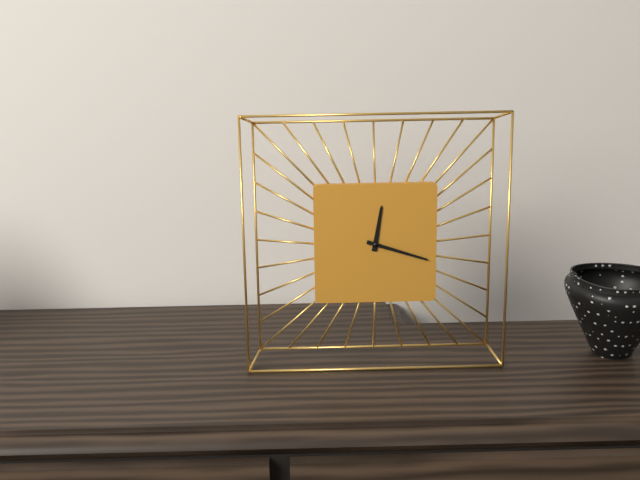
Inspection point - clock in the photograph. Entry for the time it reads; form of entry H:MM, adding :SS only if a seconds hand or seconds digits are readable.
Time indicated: 12:18
